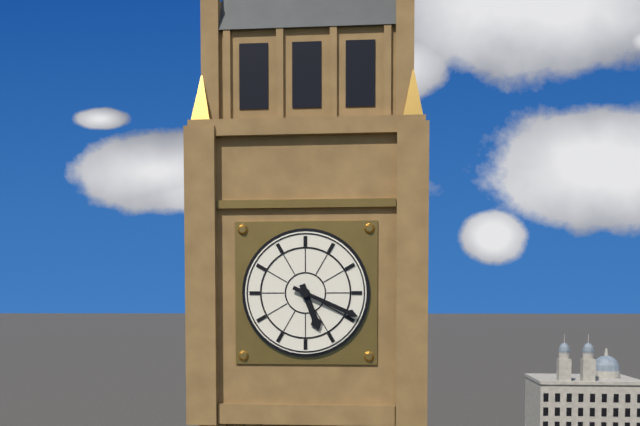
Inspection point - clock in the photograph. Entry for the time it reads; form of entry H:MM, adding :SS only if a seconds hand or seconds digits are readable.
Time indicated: 5:19
